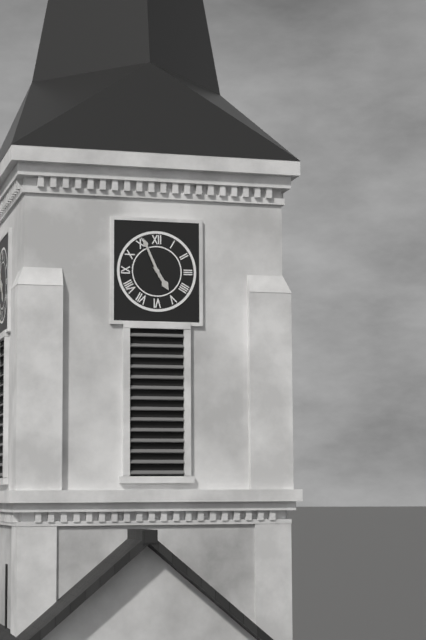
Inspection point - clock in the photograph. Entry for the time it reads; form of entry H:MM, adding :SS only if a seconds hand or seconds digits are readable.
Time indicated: 4:56
